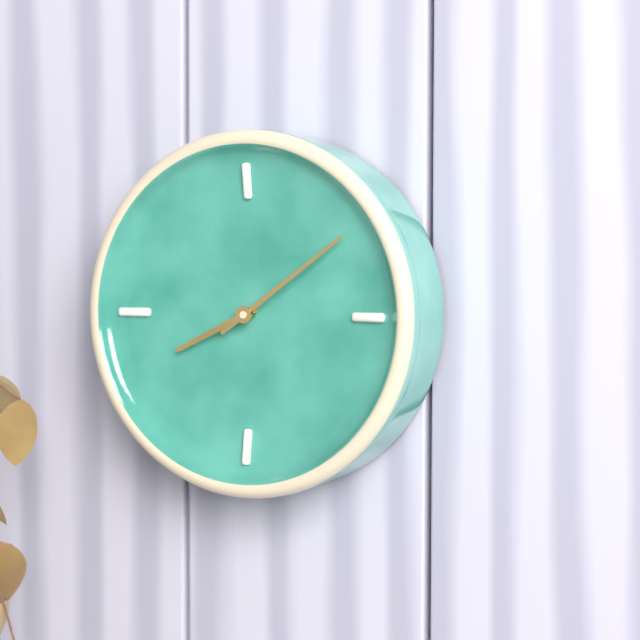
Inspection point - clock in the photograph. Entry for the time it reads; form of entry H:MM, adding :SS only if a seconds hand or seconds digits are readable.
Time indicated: 8:09
